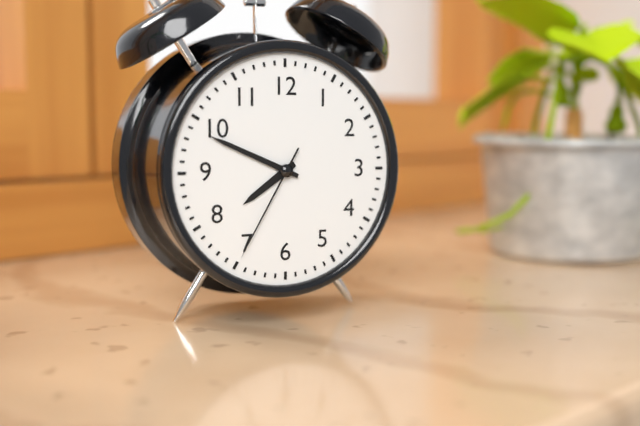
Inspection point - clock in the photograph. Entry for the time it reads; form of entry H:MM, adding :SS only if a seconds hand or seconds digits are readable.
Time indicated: 7:49:35
